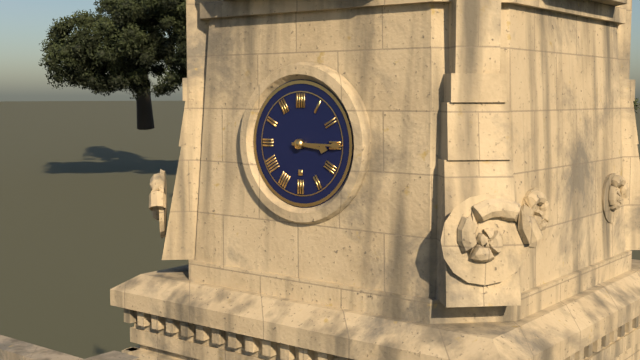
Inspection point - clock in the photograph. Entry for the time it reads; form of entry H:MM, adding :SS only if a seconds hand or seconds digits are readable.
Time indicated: 3:15
